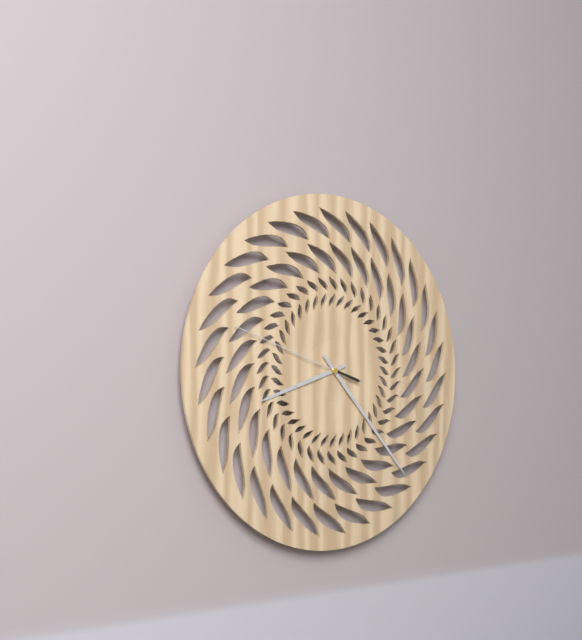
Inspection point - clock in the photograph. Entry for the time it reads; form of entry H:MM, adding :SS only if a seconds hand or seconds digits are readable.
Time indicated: 8:23:48
